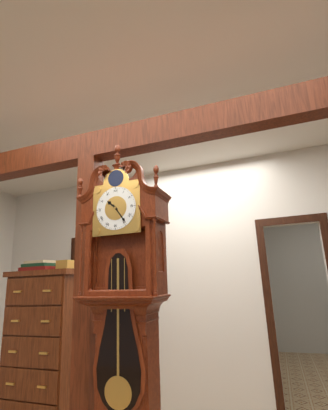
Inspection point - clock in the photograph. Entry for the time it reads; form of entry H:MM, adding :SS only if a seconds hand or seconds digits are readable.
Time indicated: 10:24
